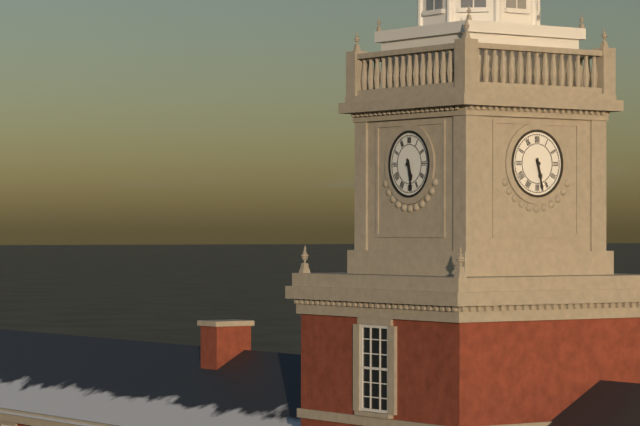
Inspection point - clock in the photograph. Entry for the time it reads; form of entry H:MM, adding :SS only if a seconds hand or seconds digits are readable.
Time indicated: 5:28
